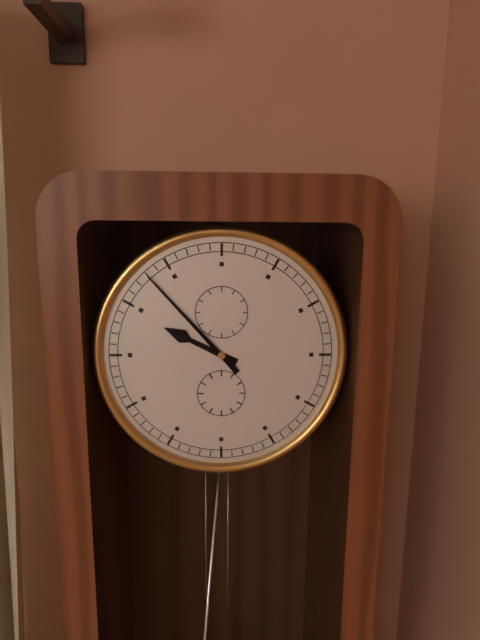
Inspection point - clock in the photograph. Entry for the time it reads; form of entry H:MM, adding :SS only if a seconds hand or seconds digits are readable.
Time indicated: 9:53
